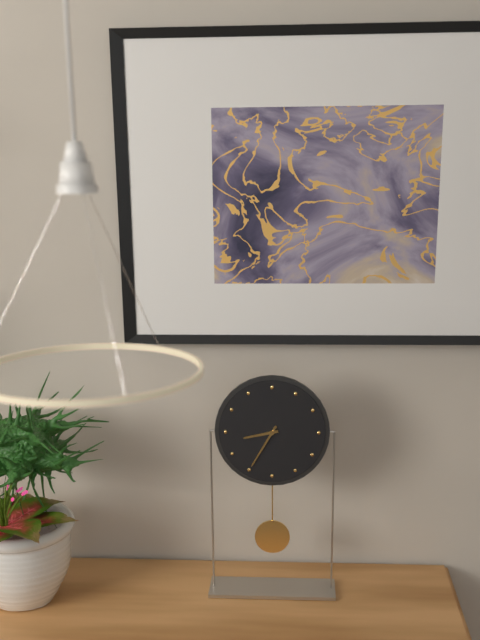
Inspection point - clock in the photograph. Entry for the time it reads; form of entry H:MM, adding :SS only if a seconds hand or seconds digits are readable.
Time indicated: 8:35
